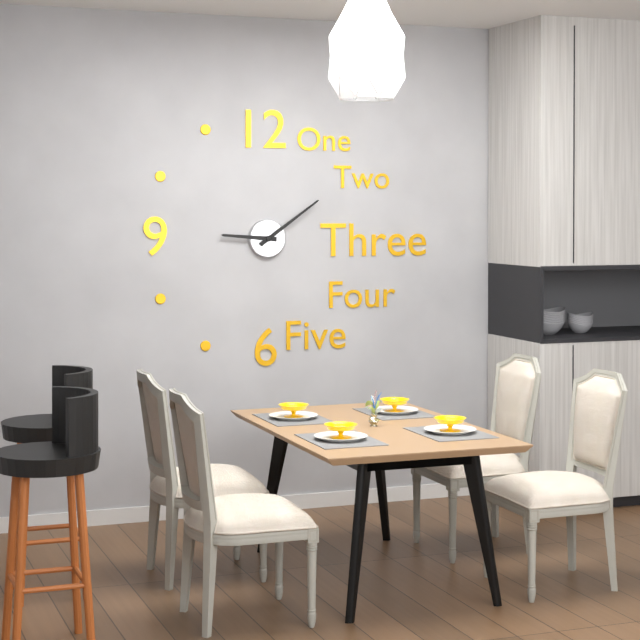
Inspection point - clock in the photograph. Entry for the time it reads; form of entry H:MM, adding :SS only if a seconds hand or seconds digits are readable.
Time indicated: 9:09
